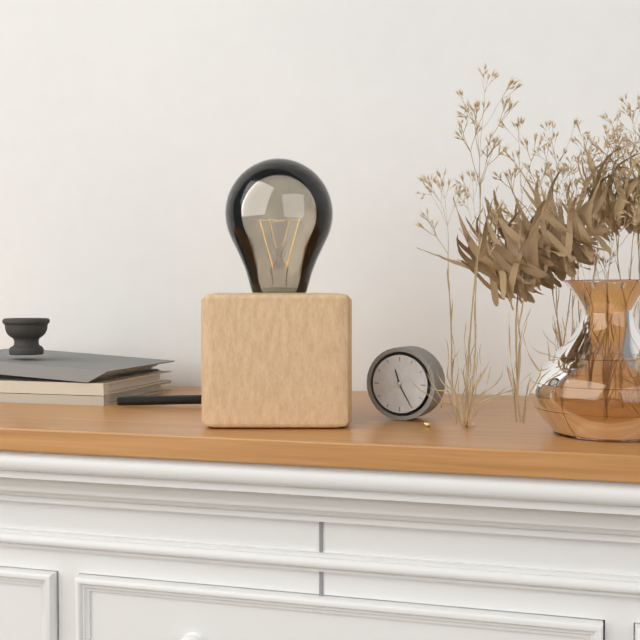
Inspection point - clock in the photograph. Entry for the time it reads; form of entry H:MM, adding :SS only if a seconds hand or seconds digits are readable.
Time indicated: 11:25
